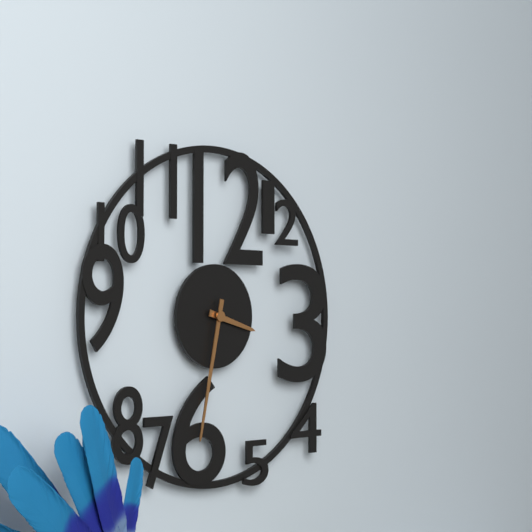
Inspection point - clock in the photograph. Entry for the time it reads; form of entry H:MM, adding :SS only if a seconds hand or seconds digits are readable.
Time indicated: 3:32
